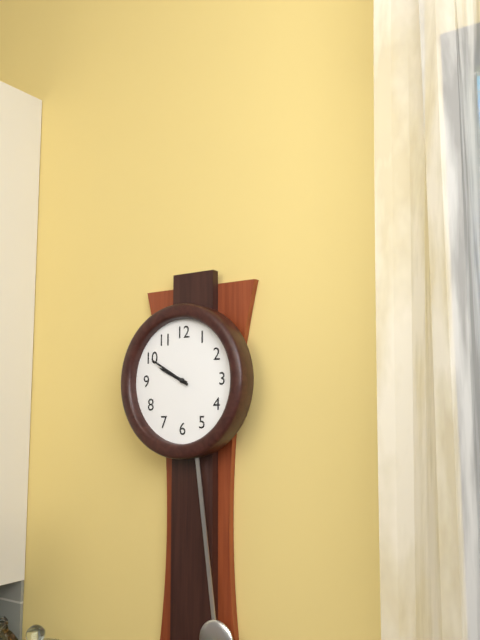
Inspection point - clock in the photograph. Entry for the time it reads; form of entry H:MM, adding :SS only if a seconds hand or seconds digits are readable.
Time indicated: 9:50
